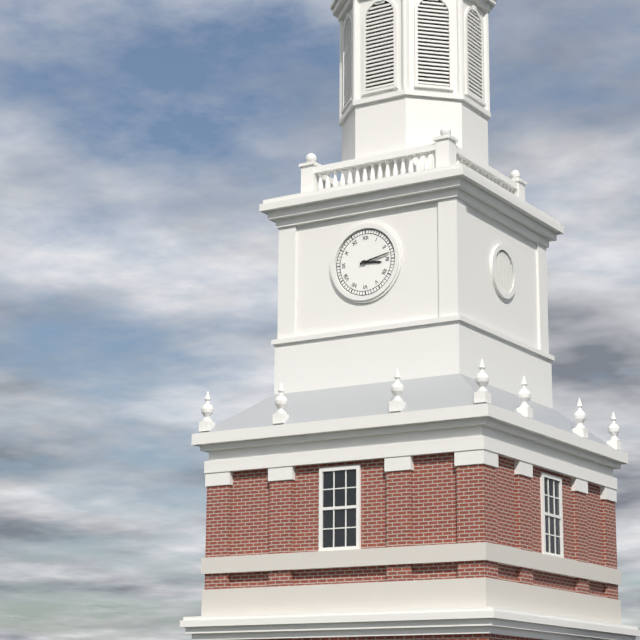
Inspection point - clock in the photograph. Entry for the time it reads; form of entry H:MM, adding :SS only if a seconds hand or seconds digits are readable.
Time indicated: 3:13
